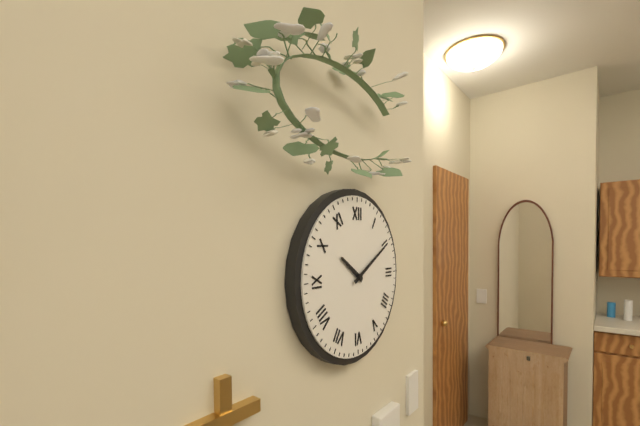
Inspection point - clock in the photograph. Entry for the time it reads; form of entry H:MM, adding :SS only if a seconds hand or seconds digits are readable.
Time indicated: 10:10
